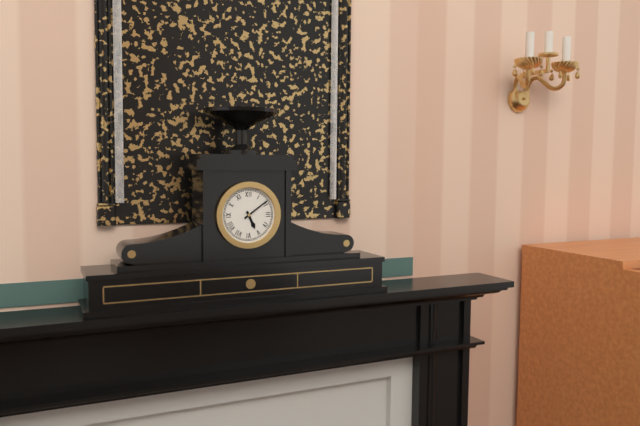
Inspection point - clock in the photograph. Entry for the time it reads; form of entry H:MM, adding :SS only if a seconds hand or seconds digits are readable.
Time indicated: 5:09
